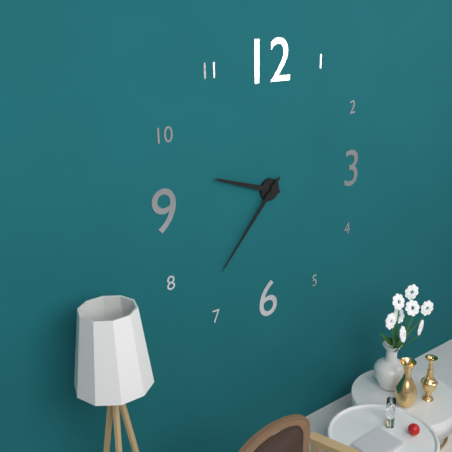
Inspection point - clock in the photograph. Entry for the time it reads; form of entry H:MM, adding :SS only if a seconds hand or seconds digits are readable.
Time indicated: 9:37
